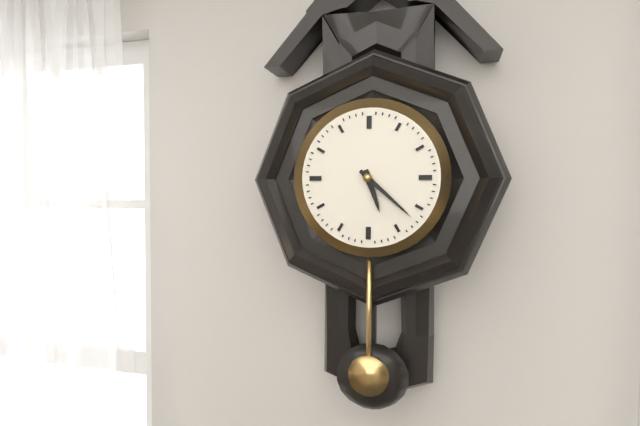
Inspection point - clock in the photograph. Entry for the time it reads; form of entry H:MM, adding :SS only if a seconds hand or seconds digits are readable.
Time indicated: 5:22
